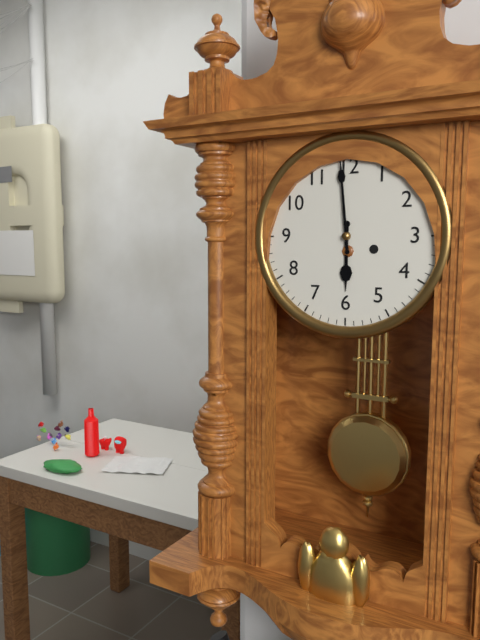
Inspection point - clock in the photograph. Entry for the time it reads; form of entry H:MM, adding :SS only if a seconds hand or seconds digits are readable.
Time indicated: 5:59
